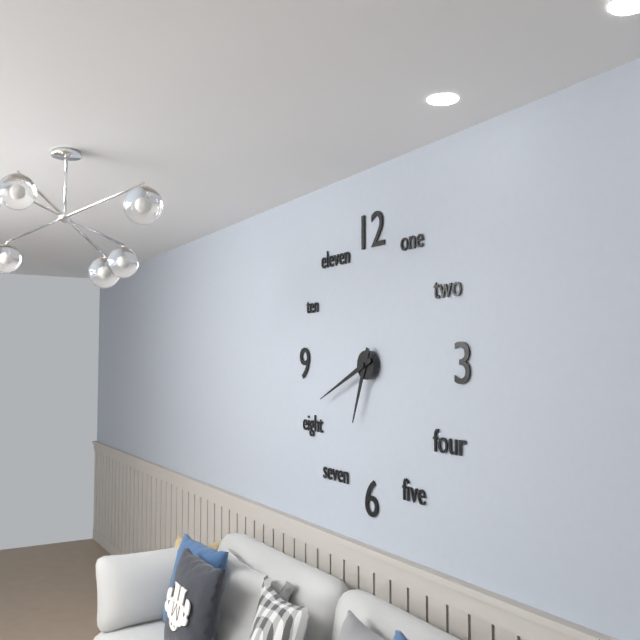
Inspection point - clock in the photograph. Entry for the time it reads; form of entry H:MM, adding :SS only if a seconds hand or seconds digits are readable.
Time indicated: 6:41
